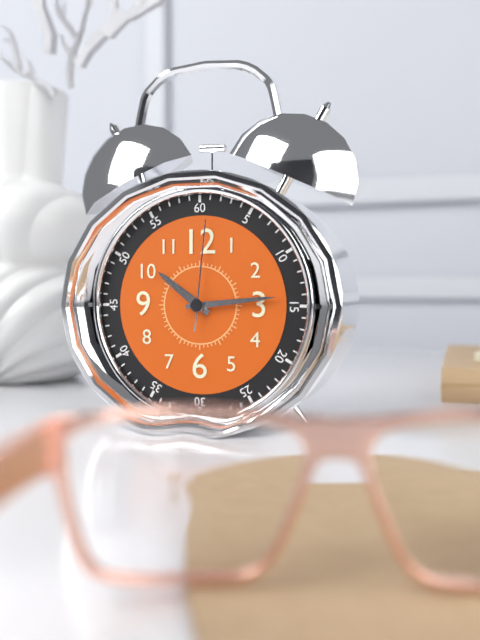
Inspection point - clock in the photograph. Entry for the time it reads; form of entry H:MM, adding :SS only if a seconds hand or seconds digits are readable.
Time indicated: 10:14:01
